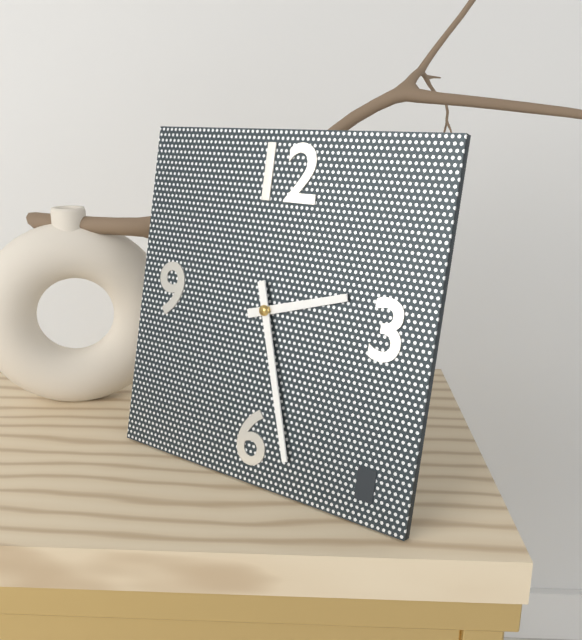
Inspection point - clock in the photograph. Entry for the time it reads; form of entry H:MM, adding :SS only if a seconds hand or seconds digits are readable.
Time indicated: 2:27
